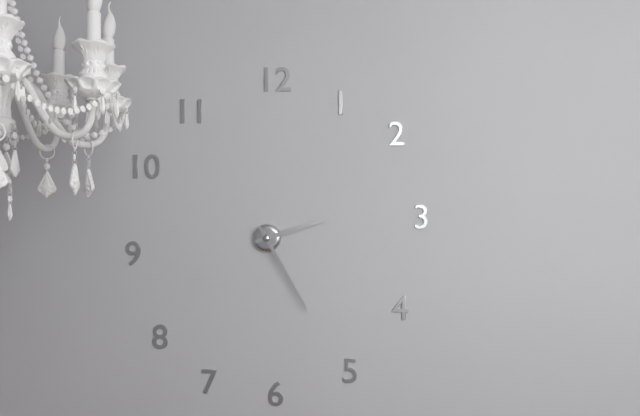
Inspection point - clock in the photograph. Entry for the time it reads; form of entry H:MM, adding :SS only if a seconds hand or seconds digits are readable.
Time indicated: 2:25
